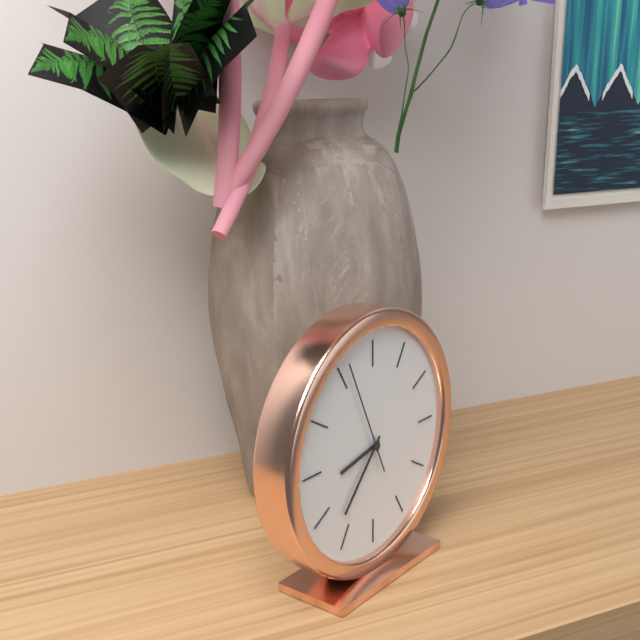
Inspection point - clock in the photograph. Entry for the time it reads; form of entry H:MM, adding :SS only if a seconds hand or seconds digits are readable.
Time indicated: 8:37:56
